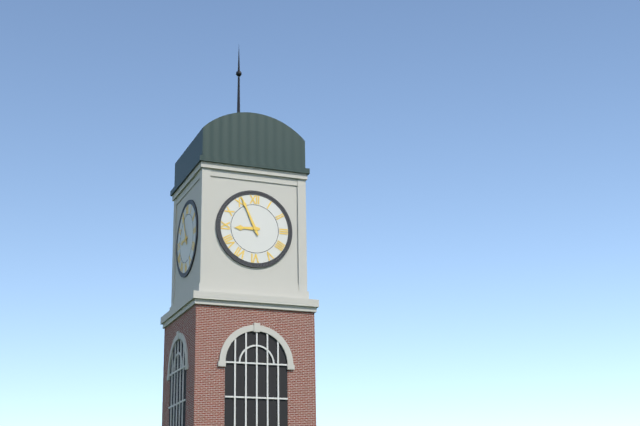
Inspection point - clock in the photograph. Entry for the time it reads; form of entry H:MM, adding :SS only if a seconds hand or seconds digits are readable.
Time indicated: 8:56
